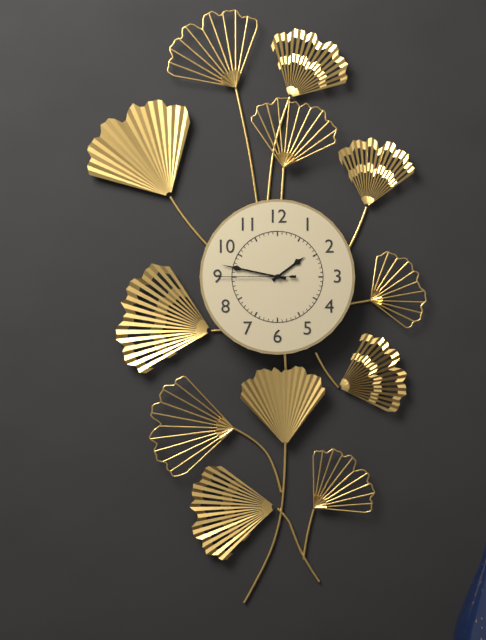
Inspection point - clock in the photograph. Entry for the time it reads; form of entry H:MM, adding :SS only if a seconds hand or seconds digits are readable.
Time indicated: 1:47:45
